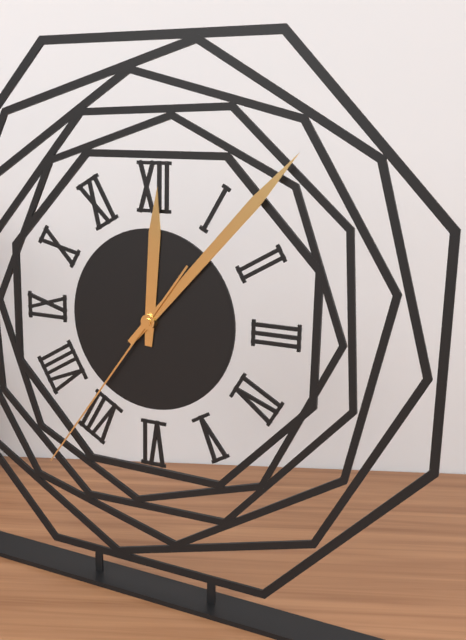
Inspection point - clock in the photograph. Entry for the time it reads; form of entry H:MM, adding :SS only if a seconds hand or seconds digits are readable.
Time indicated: 12:07:36
